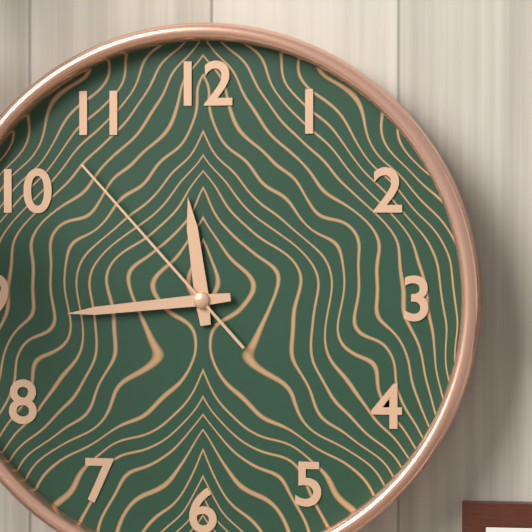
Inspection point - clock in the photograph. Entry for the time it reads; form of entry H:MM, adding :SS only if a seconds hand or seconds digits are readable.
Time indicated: 11:44:53
